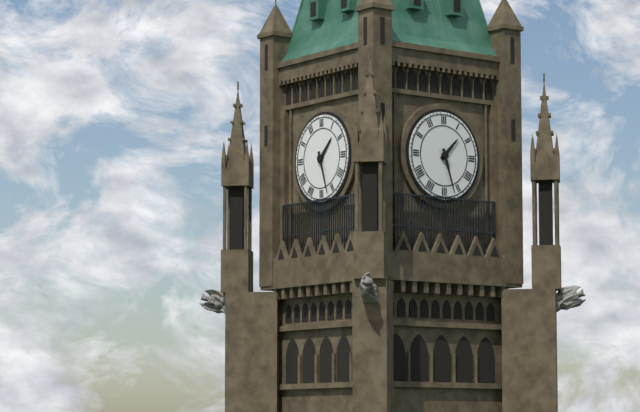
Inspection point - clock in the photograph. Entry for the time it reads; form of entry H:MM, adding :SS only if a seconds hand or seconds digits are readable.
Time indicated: 1:27
